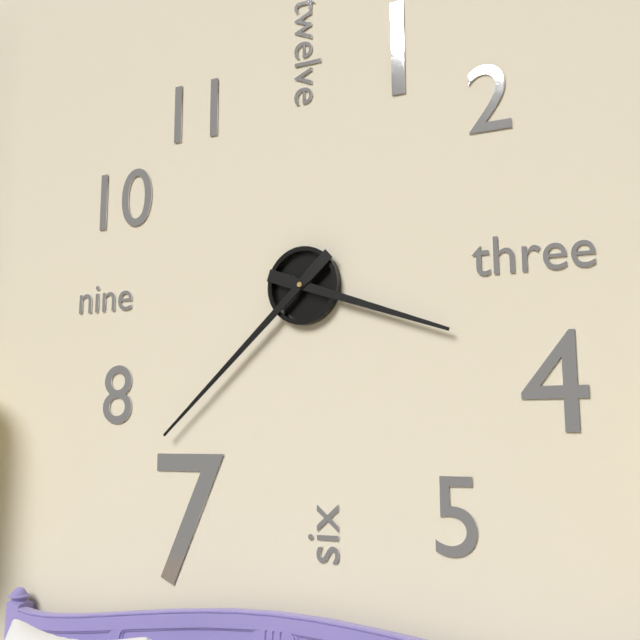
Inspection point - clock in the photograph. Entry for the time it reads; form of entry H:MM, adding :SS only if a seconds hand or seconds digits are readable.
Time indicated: 3:38
